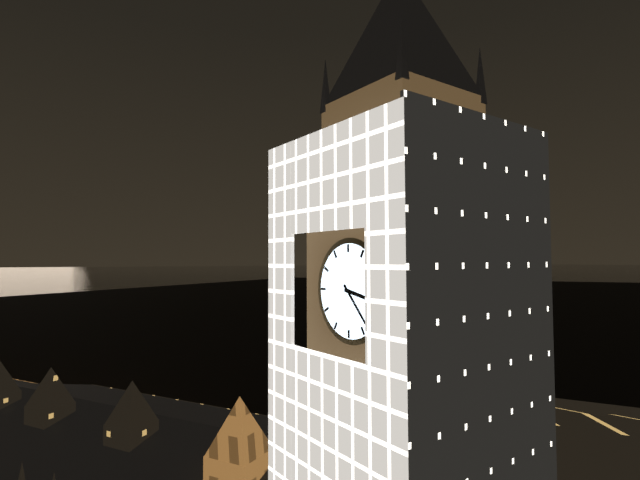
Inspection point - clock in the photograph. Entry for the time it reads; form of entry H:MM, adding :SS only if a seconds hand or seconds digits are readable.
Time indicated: 3:23
